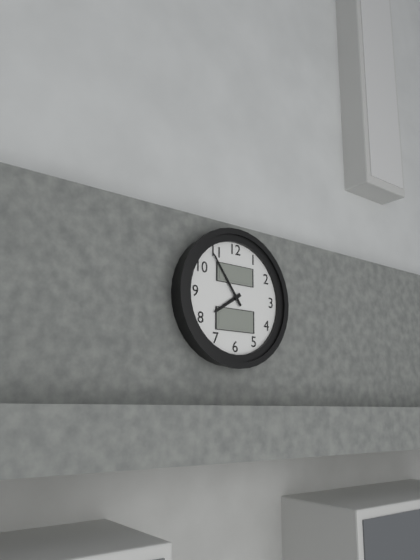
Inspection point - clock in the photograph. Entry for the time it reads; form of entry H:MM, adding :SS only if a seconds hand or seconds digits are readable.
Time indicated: 7:54
